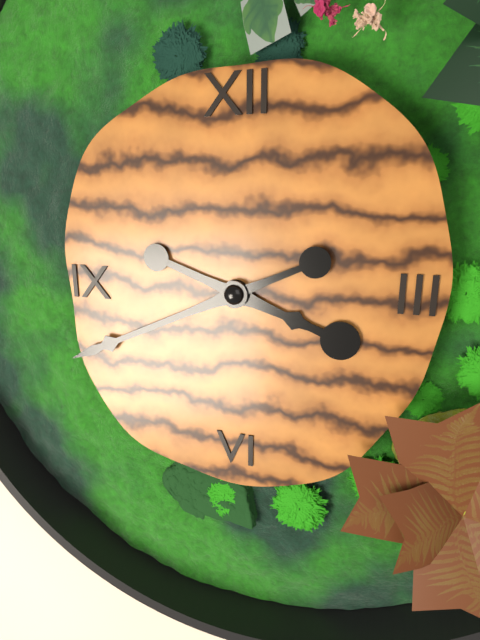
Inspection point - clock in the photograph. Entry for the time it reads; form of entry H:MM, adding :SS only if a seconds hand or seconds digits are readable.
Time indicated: 3:41
